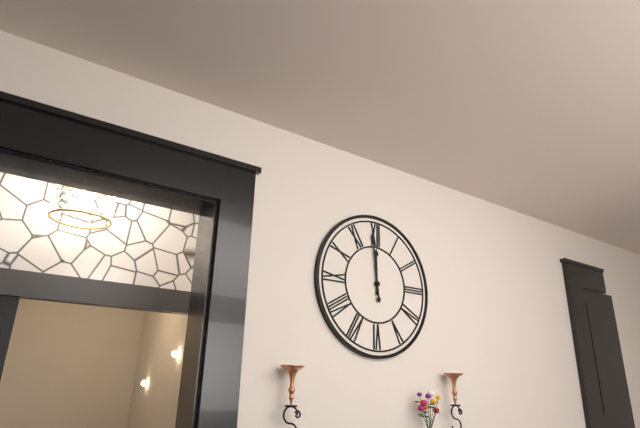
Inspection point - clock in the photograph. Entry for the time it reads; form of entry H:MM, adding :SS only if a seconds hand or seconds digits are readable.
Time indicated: 11:59
